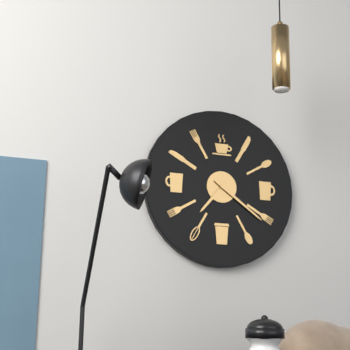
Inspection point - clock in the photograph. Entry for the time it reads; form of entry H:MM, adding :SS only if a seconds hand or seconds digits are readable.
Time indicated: 7:21
